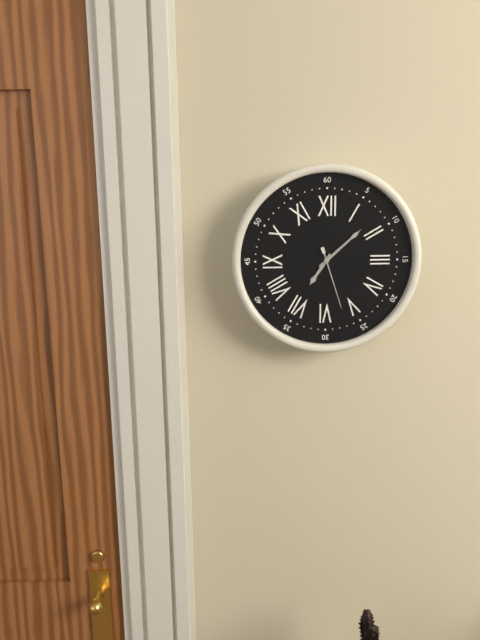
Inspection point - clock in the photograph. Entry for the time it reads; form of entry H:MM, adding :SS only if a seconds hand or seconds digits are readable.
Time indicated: 7:08:27
